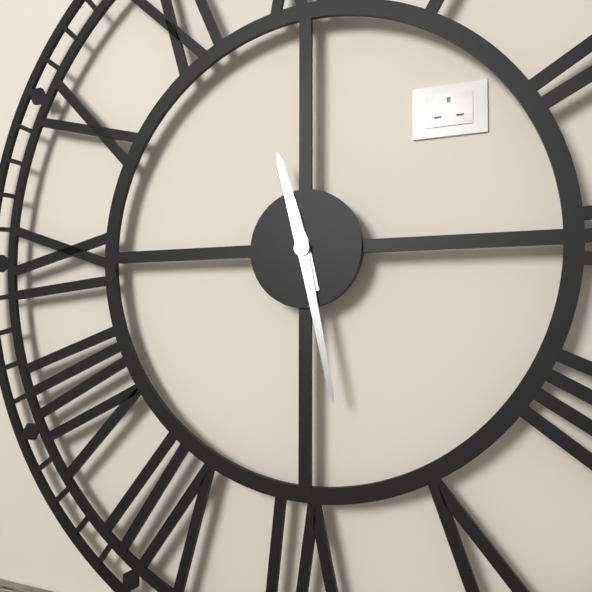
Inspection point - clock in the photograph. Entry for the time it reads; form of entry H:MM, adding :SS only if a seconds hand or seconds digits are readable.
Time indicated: 11:28
